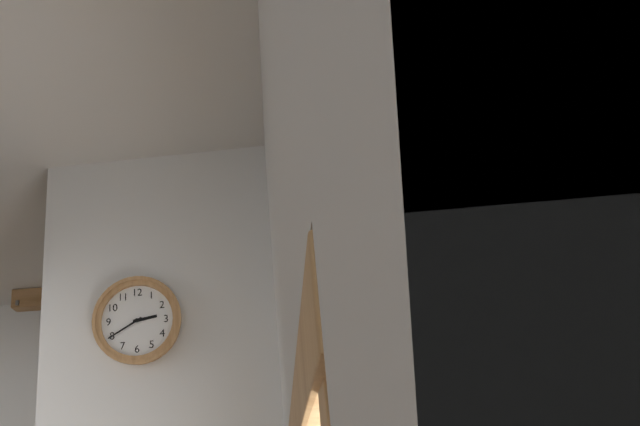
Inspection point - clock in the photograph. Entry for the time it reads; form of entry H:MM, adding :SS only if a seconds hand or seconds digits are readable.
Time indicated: 2:40
